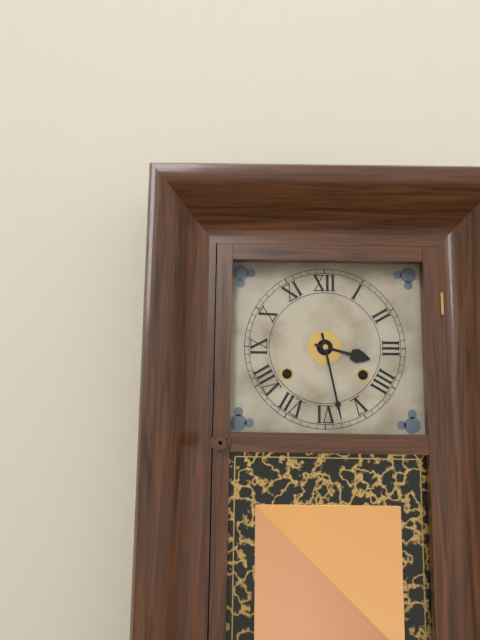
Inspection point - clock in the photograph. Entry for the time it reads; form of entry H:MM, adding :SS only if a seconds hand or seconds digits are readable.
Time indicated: 3:28
